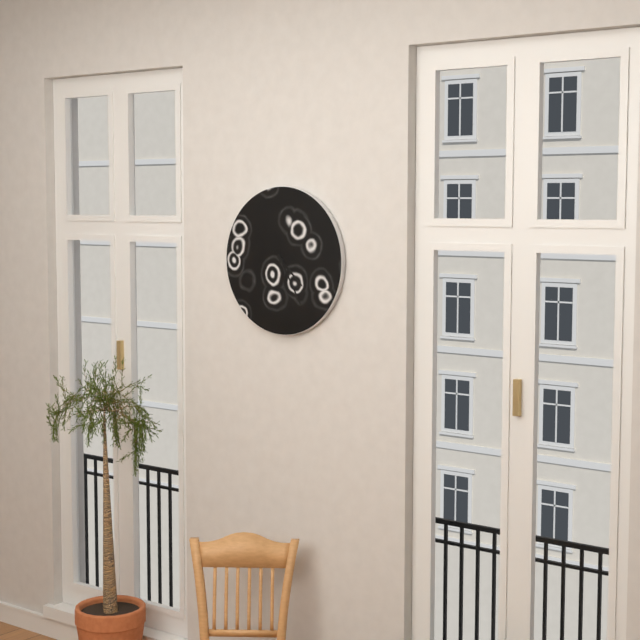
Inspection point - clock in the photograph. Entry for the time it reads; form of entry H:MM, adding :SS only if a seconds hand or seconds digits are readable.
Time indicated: 4:25
